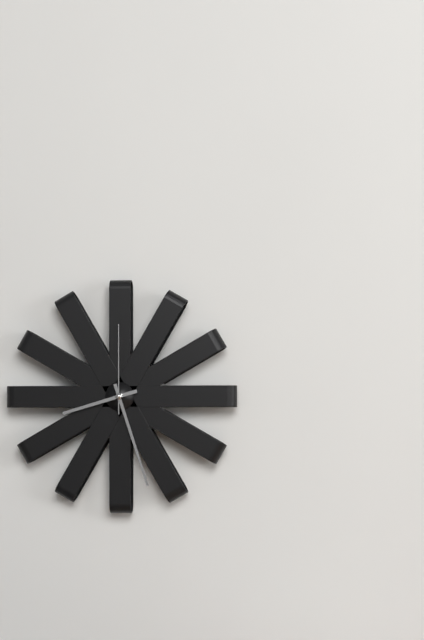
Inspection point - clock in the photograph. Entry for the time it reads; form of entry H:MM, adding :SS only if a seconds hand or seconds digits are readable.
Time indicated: 8:27:00
